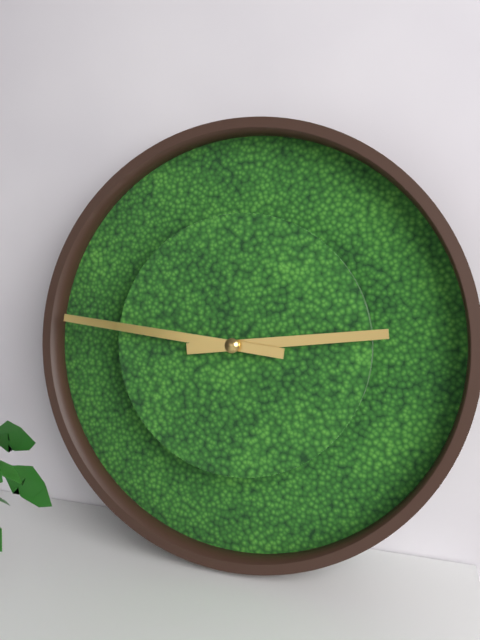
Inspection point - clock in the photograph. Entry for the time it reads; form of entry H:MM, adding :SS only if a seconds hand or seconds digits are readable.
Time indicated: 2:46
